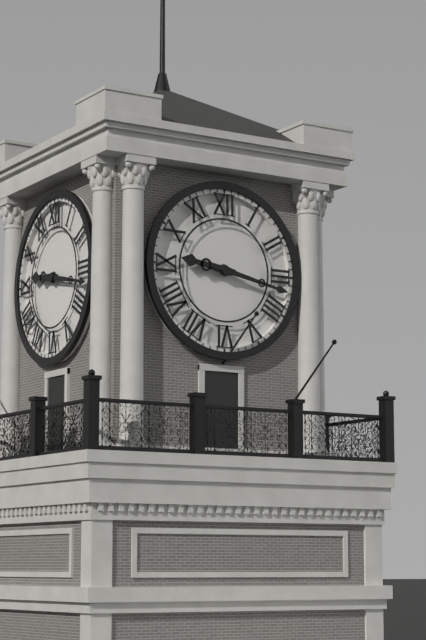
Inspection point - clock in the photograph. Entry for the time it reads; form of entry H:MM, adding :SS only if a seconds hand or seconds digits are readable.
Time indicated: 9:17
